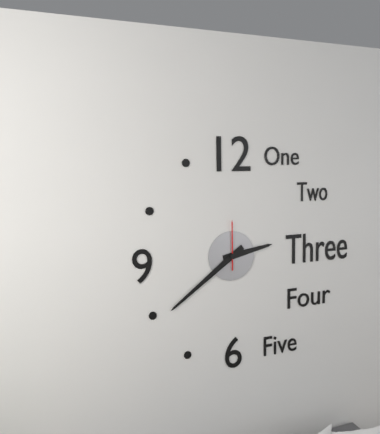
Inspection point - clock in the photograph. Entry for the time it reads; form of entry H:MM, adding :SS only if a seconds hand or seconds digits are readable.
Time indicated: 2:39
